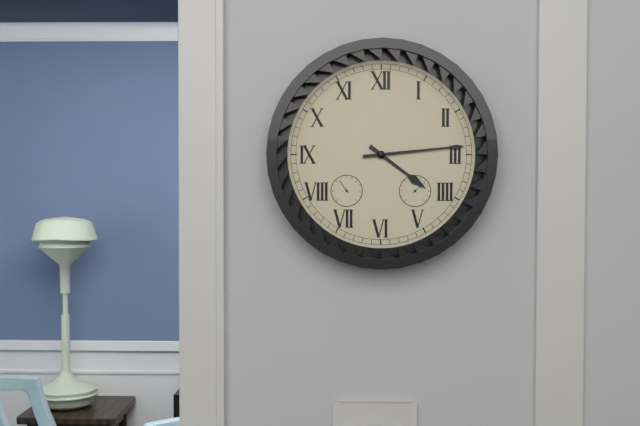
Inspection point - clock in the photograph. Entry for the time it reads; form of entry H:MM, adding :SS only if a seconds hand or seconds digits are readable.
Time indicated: 4:14
